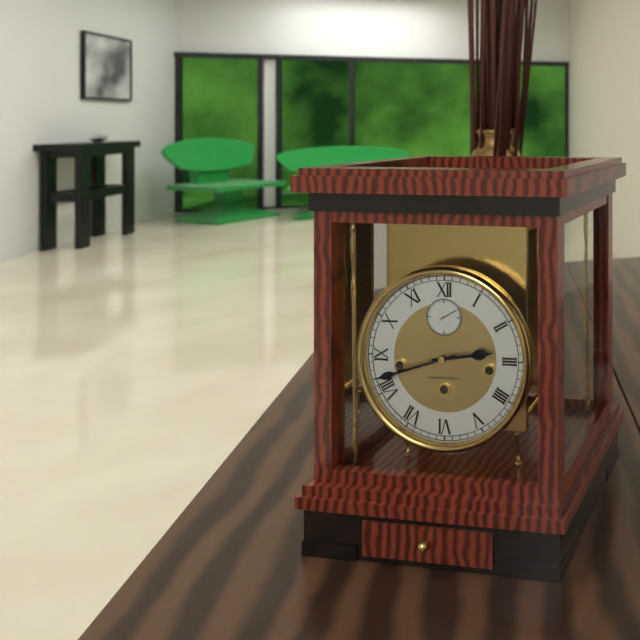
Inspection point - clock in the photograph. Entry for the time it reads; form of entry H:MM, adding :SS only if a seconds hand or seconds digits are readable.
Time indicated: 2:42
